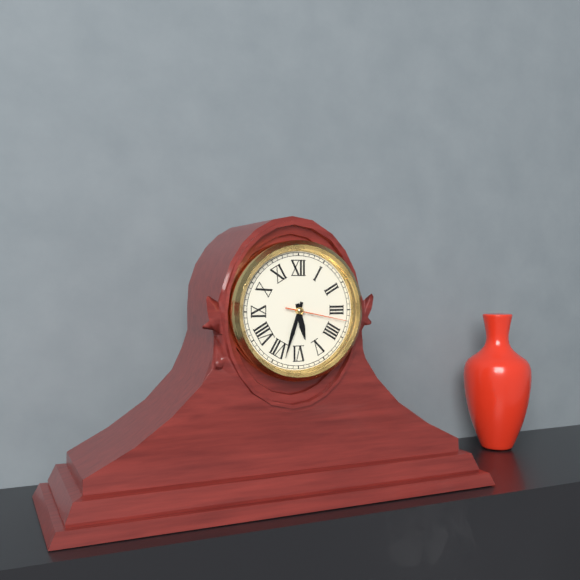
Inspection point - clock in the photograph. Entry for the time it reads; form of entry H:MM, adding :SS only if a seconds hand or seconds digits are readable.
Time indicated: 5:33:17
